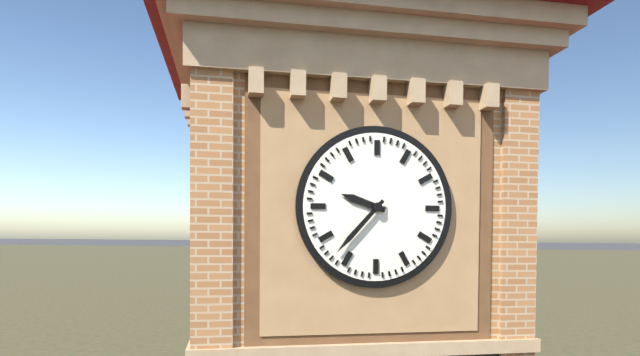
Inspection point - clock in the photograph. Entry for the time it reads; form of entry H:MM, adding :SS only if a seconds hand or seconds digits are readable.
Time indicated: 9:37
